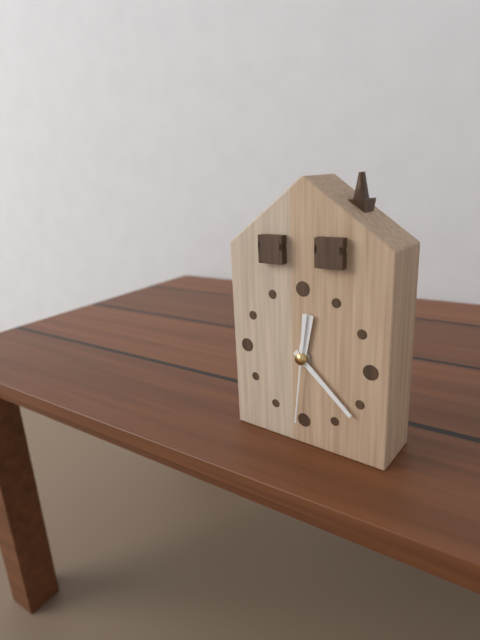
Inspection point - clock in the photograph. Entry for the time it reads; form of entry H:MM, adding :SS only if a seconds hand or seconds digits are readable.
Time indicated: 12:22:31
